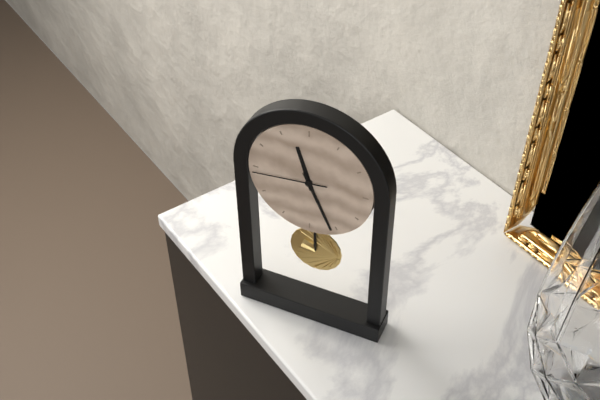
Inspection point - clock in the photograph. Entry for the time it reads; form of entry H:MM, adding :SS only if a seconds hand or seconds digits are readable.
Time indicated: 11:26:44
